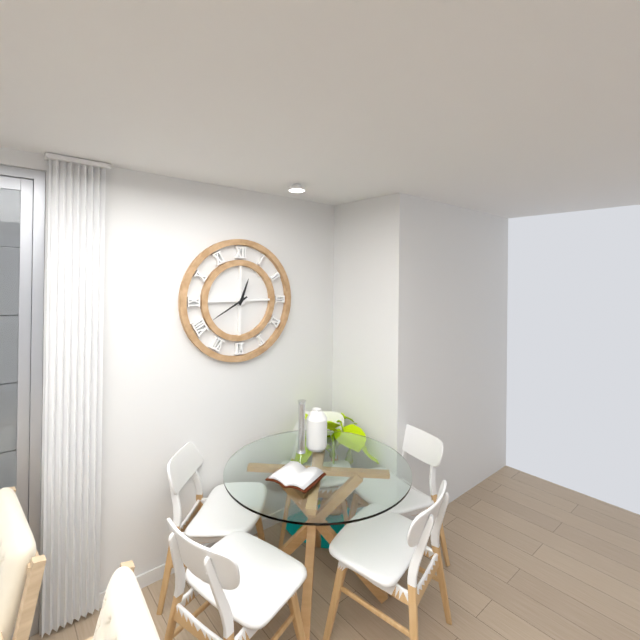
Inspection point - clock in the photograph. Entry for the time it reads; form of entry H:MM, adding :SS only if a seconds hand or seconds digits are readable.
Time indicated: 12:40
